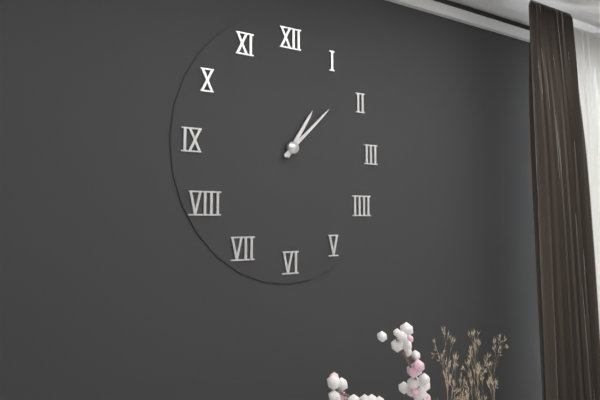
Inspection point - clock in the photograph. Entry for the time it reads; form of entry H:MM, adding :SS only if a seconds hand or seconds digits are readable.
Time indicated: 1:08
